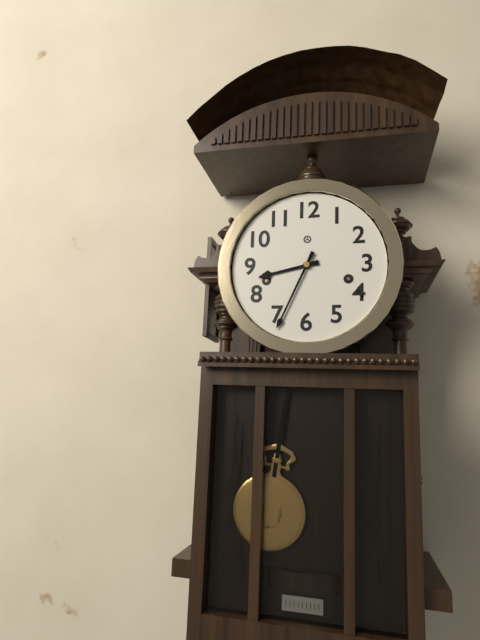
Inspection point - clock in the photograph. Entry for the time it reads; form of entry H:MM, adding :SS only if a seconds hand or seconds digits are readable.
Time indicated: 8:34
